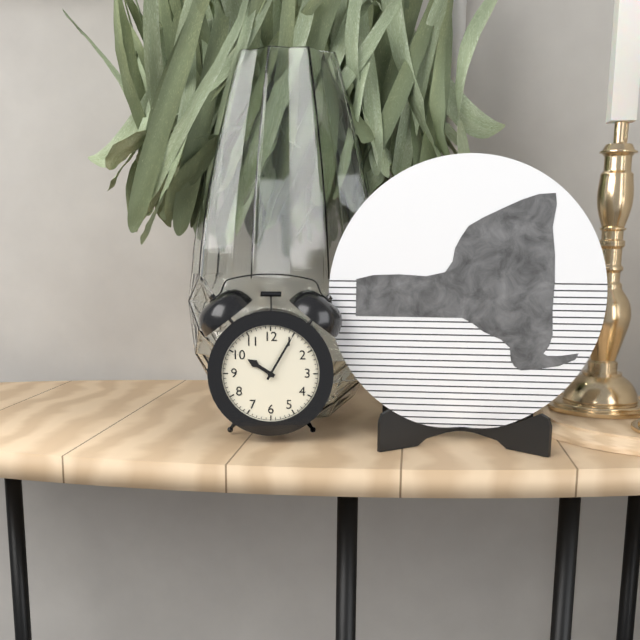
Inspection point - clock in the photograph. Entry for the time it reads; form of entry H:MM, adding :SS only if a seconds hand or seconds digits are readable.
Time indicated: 10:05
